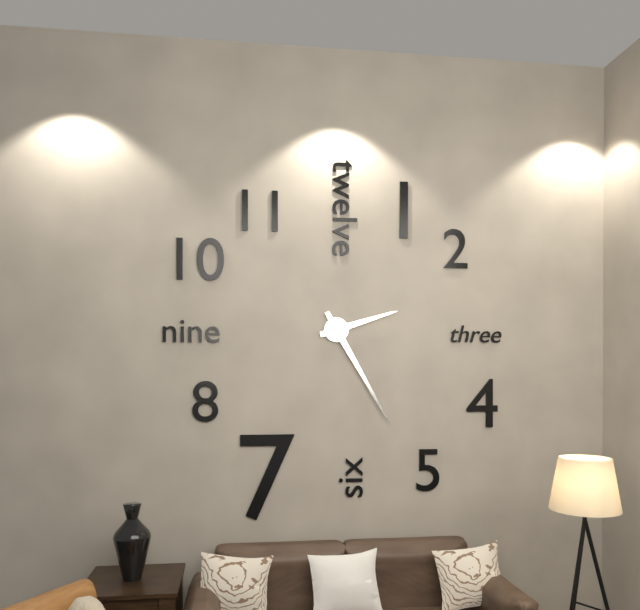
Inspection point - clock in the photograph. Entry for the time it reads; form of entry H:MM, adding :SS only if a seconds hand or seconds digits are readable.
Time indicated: 2:25
